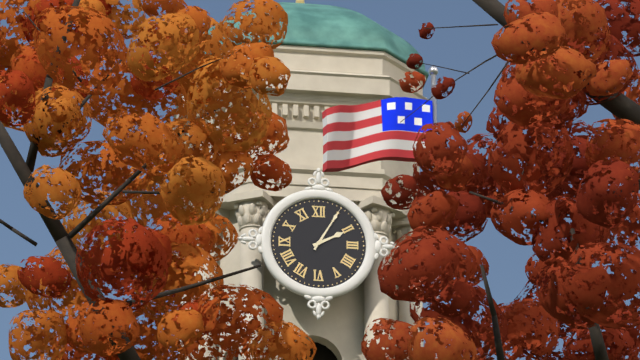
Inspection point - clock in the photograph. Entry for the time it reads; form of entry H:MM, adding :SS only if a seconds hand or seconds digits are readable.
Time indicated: 2:05
